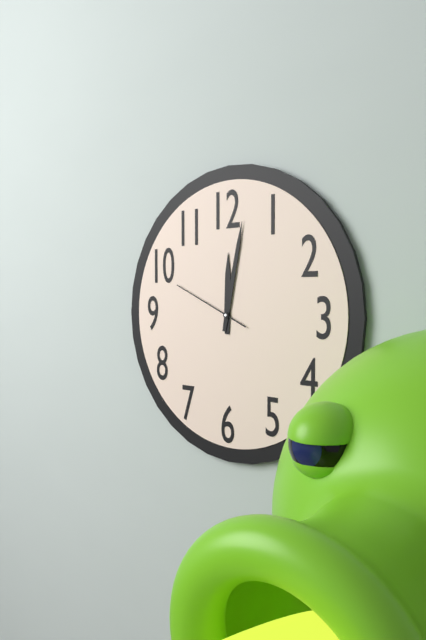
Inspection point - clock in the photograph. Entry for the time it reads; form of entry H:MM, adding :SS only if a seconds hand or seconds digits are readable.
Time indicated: 12:02:49
